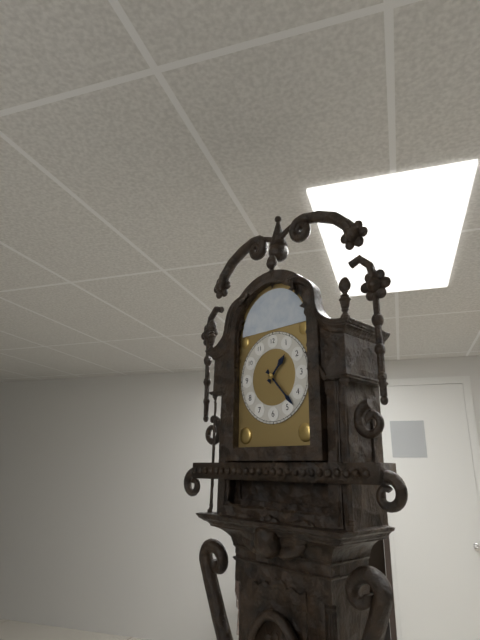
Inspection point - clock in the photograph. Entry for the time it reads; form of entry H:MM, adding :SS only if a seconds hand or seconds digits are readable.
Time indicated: 1:23
